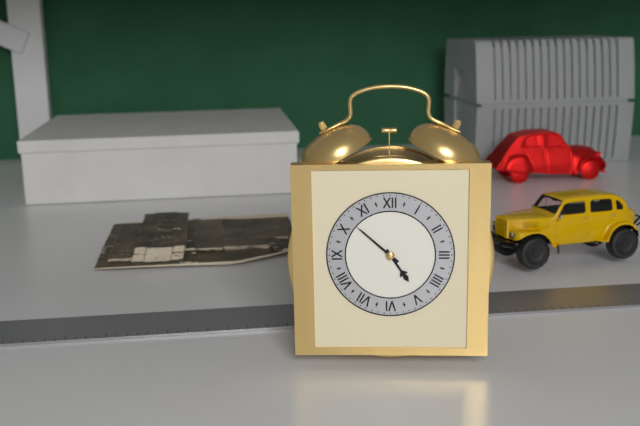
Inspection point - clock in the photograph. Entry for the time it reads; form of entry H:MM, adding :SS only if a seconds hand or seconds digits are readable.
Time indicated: 4:52
